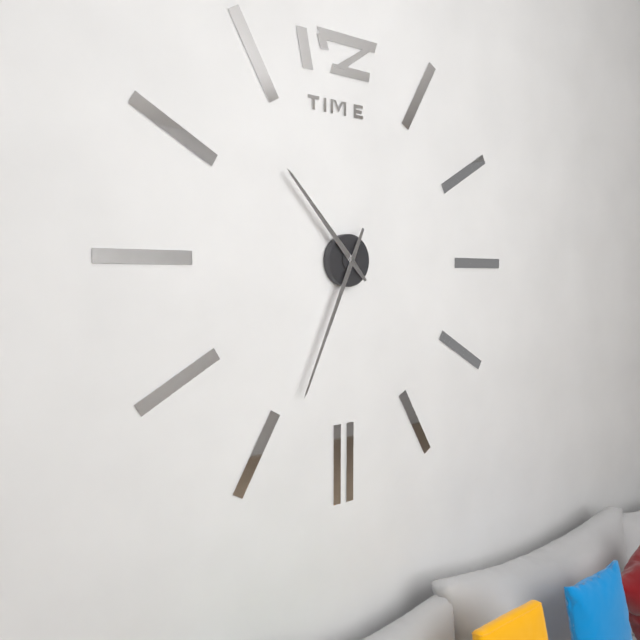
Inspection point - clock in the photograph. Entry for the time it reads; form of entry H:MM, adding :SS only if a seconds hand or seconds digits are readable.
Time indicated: 10:34
